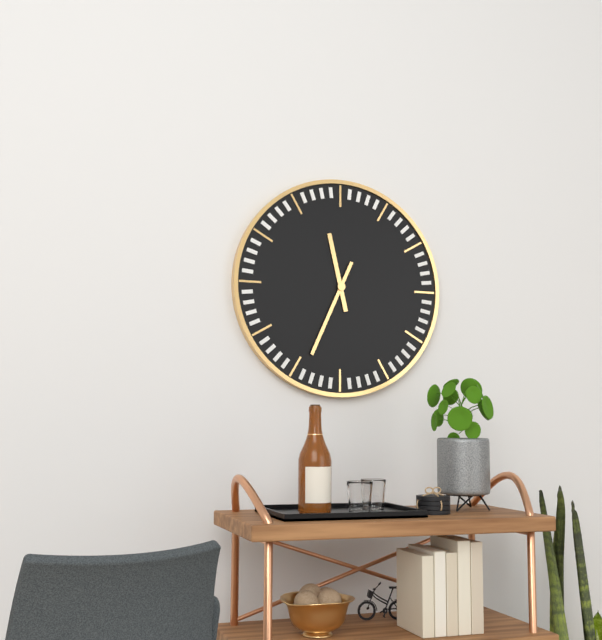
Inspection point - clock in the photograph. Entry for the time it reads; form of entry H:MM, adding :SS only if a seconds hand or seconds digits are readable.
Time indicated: 11:34
